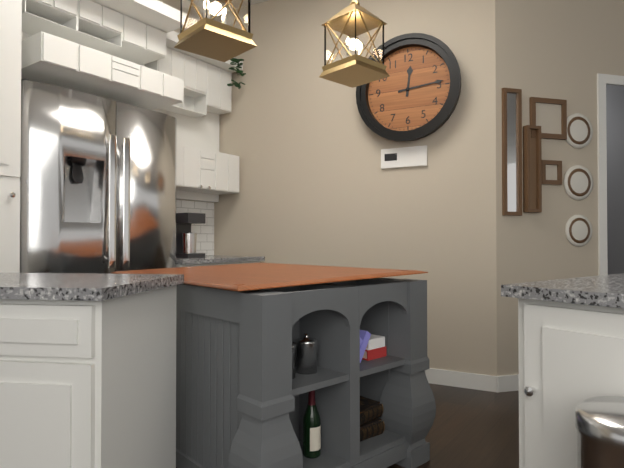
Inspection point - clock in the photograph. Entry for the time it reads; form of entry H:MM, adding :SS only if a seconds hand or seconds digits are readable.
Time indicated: 12:14
